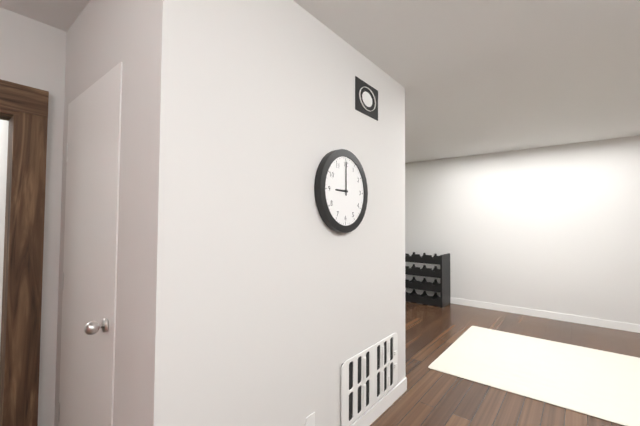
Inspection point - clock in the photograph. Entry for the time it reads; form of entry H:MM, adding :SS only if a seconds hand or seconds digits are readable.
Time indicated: 9:00
